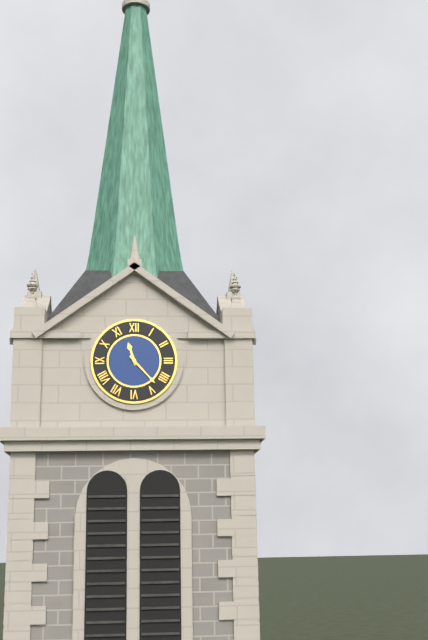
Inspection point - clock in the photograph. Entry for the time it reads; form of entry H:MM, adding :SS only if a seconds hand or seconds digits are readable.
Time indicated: 11:23
